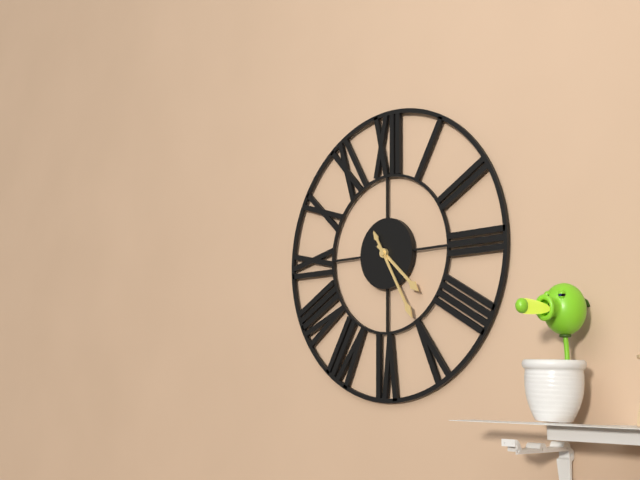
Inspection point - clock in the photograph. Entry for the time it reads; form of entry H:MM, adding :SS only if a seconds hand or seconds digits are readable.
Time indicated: 4:25
